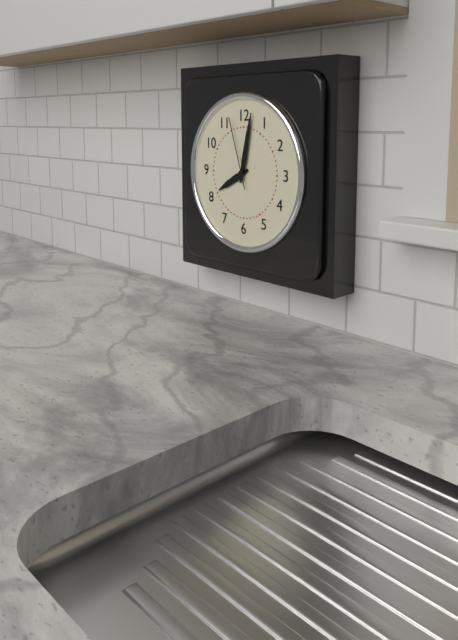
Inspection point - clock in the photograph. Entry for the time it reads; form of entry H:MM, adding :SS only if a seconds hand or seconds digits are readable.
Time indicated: 8:02:57
